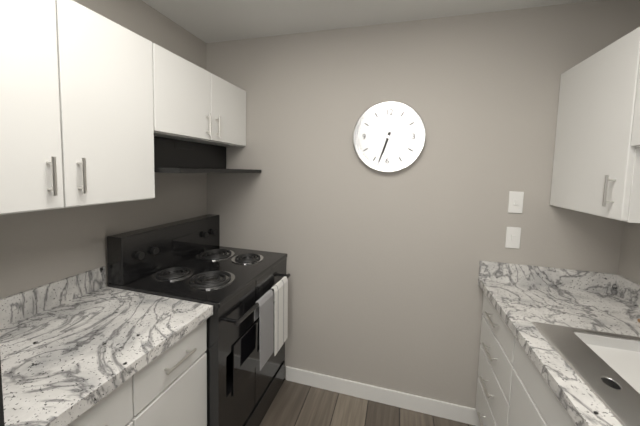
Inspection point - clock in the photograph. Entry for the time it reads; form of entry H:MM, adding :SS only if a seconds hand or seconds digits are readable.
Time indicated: 6:33
